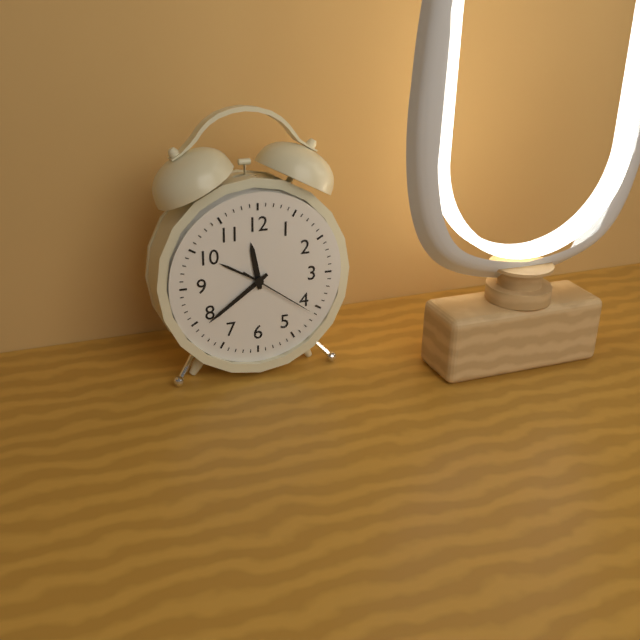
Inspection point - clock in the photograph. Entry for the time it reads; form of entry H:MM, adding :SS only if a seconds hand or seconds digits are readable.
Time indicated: 11:39:21
